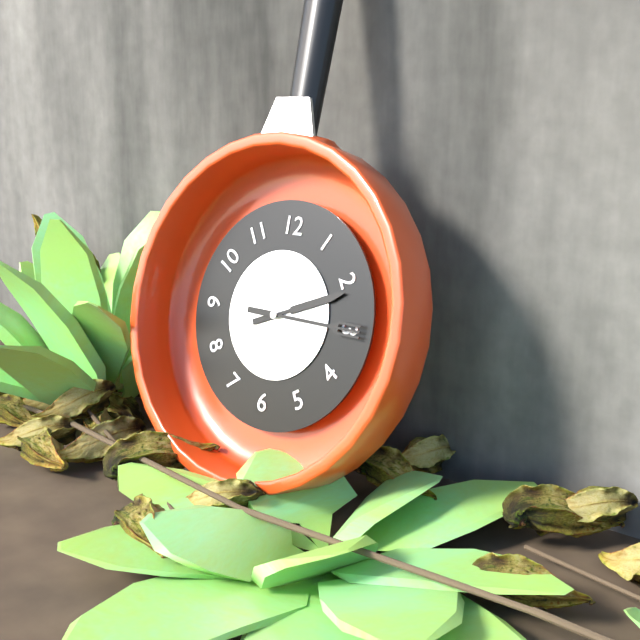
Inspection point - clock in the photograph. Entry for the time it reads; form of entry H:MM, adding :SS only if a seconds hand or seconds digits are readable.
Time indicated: 2:15
